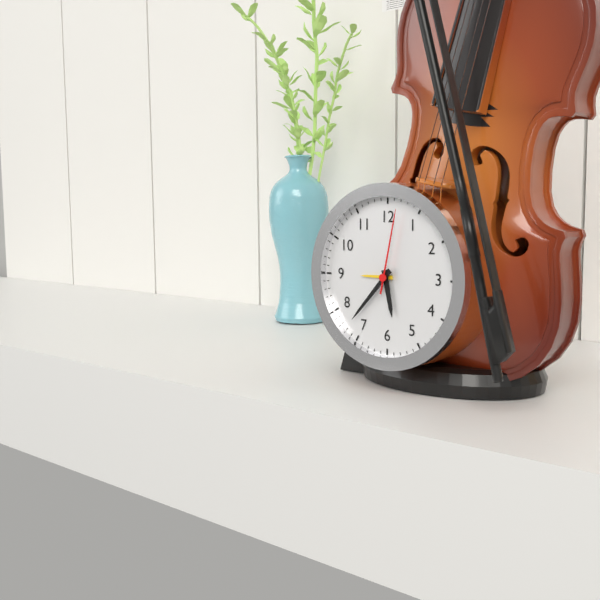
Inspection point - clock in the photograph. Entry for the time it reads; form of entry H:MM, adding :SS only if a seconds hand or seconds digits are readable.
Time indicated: 5:37:02
